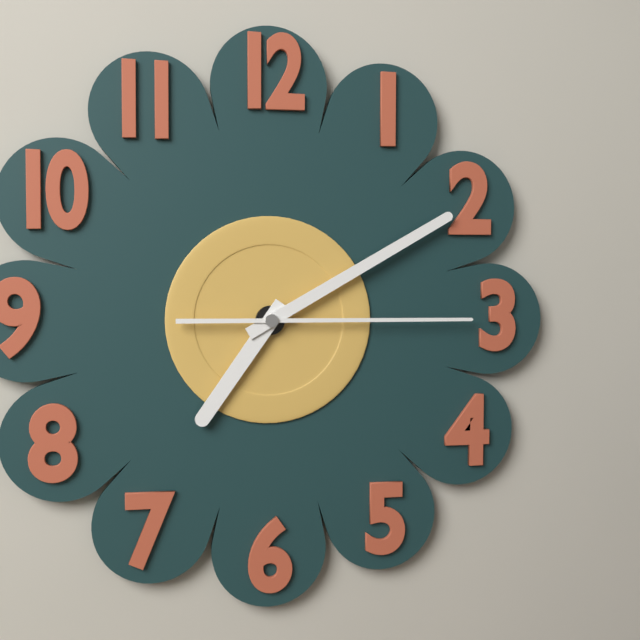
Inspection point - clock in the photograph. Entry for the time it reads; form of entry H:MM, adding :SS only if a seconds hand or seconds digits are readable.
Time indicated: 7:10:15
